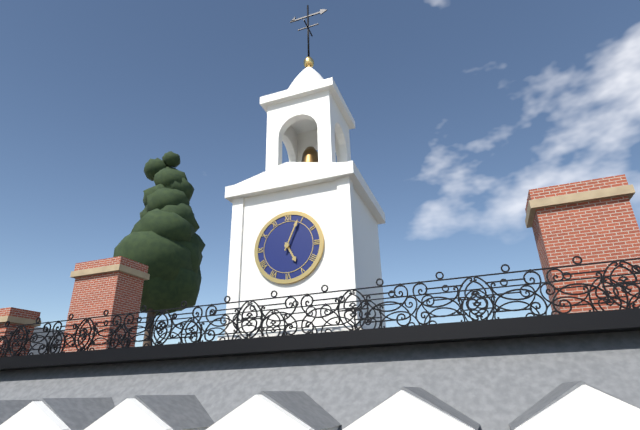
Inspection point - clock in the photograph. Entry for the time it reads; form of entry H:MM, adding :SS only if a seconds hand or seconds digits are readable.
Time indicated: 5:04
